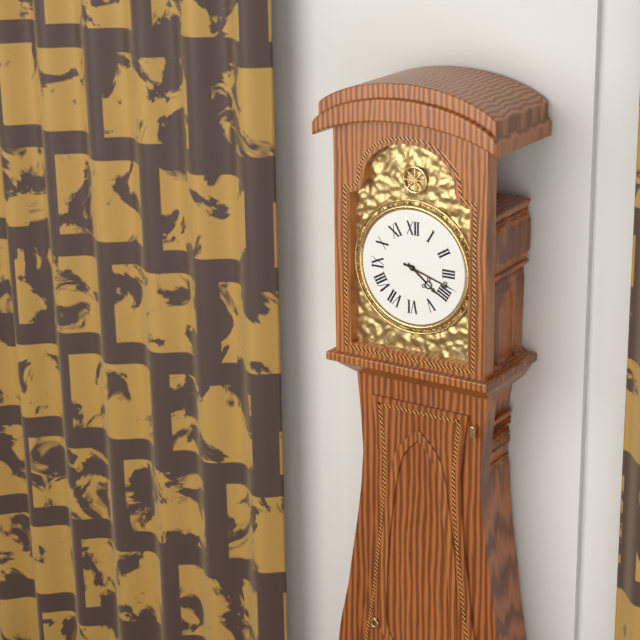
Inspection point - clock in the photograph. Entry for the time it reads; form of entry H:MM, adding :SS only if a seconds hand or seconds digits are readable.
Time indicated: 4:18
